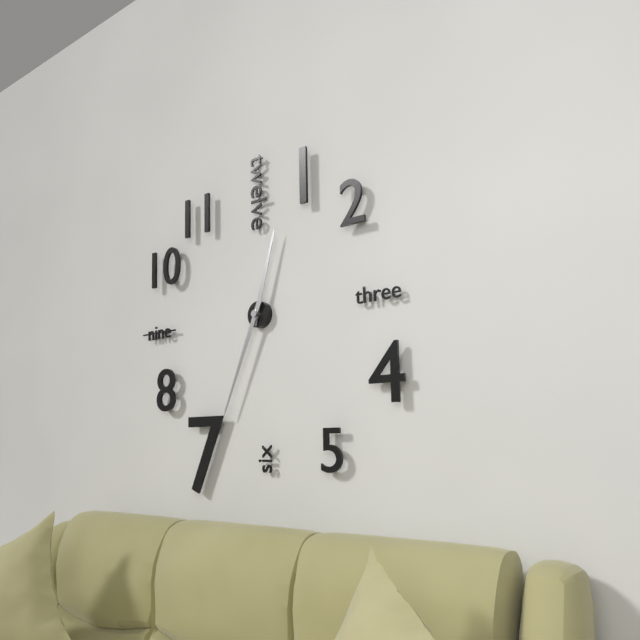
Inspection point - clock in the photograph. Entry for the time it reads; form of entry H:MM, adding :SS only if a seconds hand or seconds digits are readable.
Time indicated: 12:34
